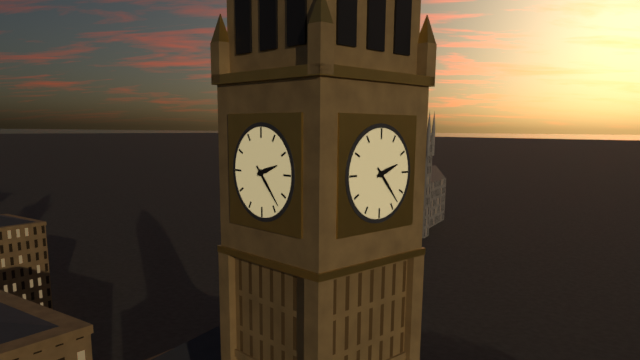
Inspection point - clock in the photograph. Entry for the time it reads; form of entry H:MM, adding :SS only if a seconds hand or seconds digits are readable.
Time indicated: 2:23
